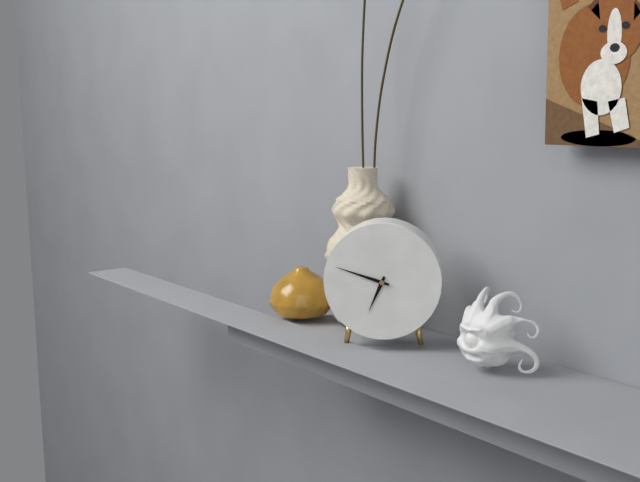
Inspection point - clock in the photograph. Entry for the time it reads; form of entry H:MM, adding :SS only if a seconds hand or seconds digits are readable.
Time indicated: 6:48
